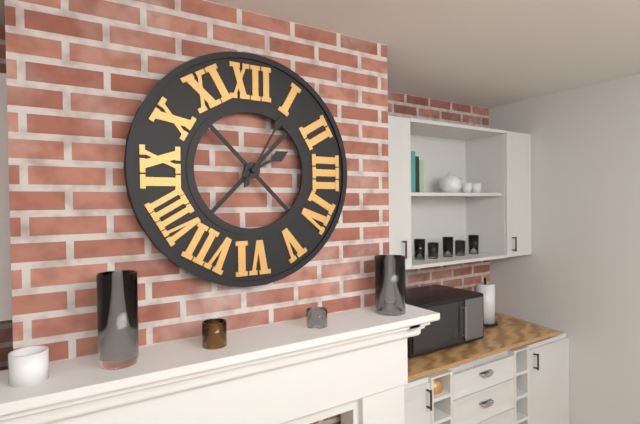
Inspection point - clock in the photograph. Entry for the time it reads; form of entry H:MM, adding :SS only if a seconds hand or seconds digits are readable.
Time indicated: 2:05
